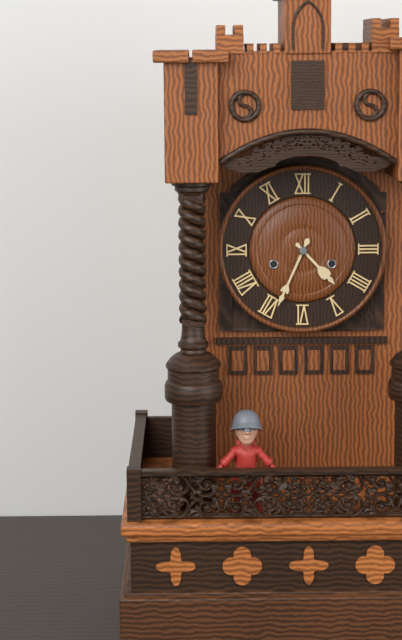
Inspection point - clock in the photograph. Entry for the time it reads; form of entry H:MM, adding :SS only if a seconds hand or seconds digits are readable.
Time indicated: 4:34
